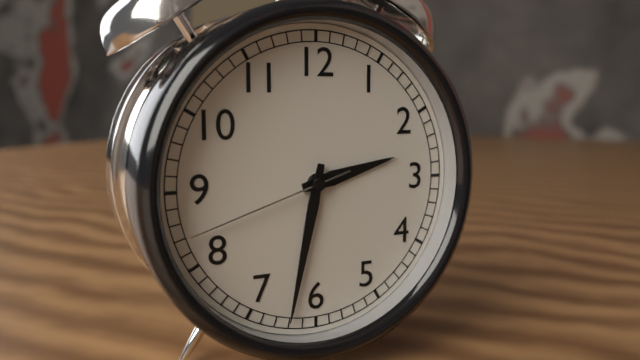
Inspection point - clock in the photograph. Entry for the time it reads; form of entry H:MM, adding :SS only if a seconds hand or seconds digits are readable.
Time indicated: 2:32:42
